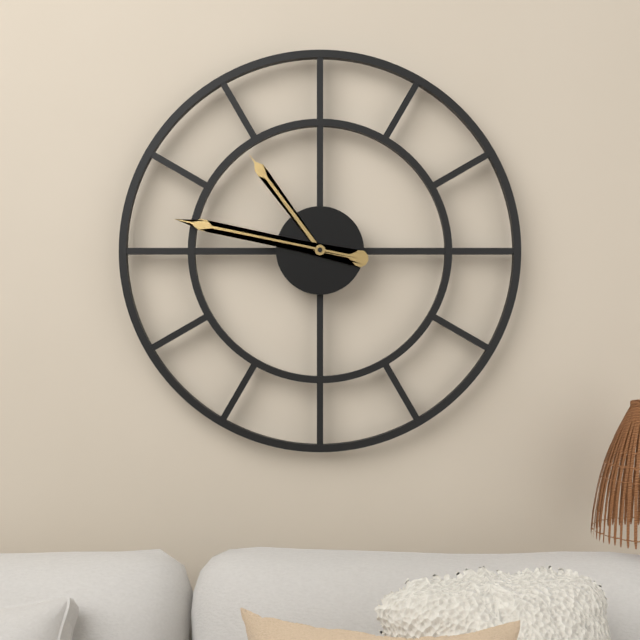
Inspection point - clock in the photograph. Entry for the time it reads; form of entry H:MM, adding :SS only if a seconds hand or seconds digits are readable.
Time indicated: 10:47
